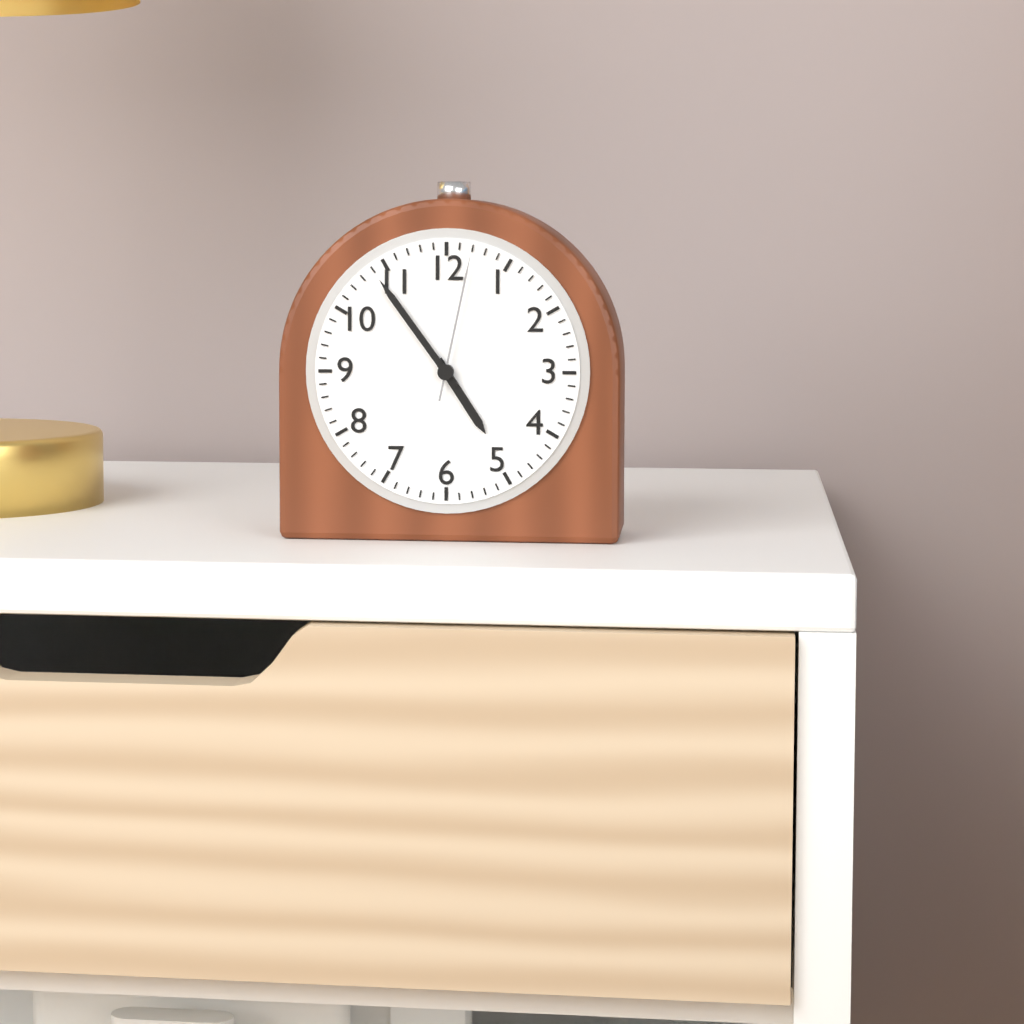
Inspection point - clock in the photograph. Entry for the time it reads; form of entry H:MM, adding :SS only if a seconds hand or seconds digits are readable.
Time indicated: 4:54:02
